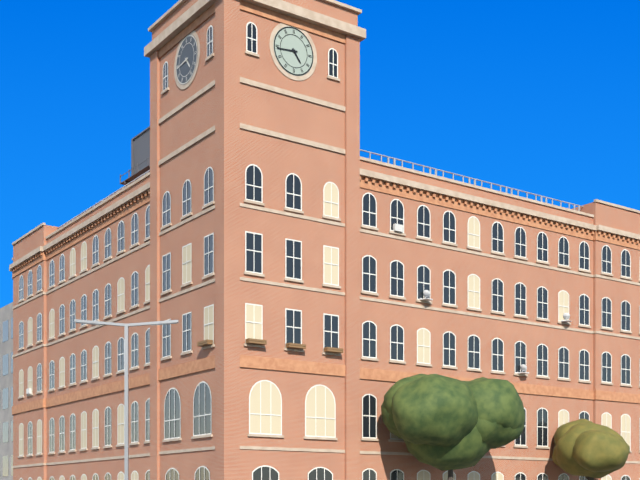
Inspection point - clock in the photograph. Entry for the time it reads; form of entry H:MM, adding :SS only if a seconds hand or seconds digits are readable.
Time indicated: 4:44
